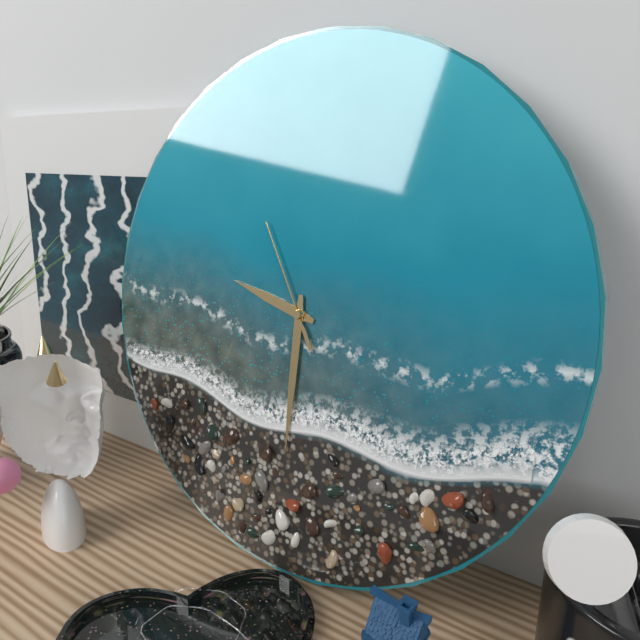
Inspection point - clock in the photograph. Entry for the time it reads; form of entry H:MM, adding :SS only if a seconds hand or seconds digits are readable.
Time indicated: 9:30:55
